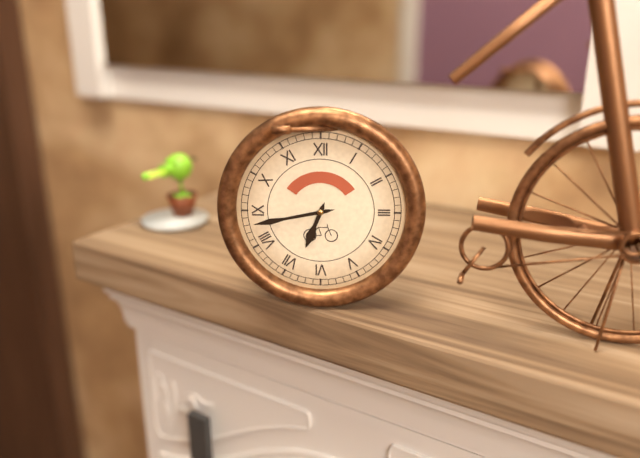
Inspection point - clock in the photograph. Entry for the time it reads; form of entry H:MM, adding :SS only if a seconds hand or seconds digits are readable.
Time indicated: 6:43
